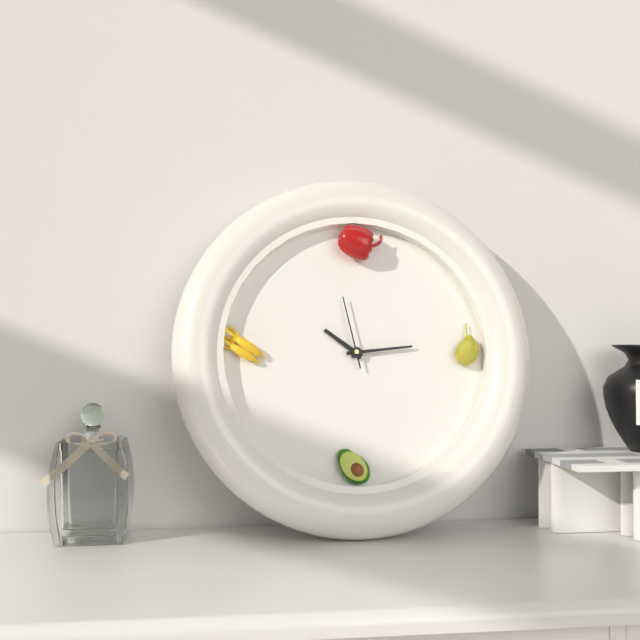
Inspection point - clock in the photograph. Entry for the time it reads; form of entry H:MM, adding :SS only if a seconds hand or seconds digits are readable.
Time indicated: 10:14:58
